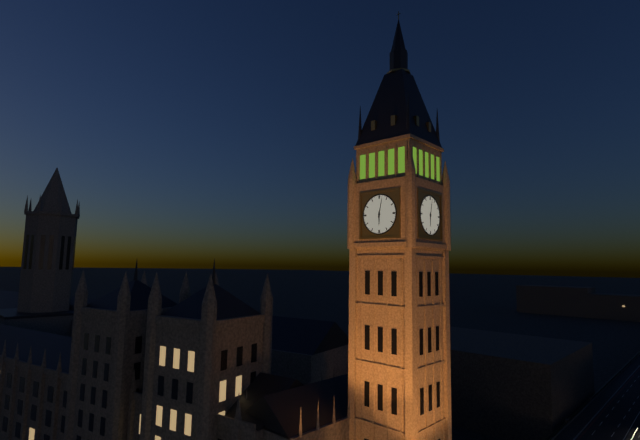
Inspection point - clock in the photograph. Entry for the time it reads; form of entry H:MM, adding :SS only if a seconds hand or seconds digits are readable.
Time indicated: 6:02
